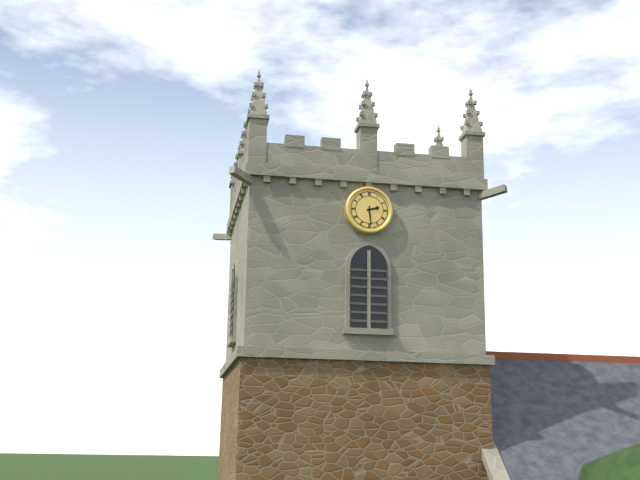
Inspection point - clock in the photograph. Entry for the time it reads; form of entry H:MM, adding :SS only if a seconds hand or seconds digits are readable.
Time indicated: 2:29
